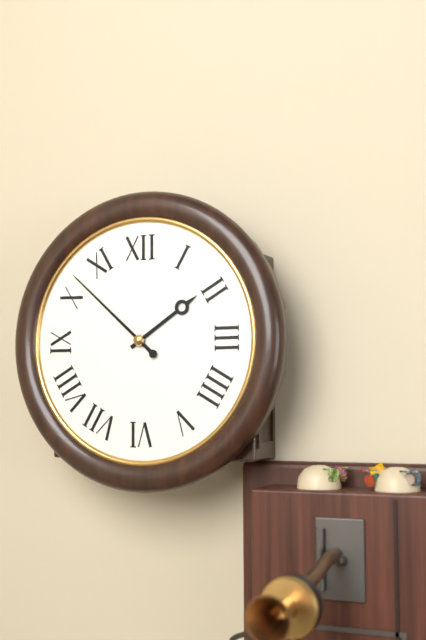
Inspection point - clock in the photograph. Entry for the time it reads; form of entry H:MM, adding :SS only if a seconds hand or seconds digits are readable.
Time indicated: 1:52
